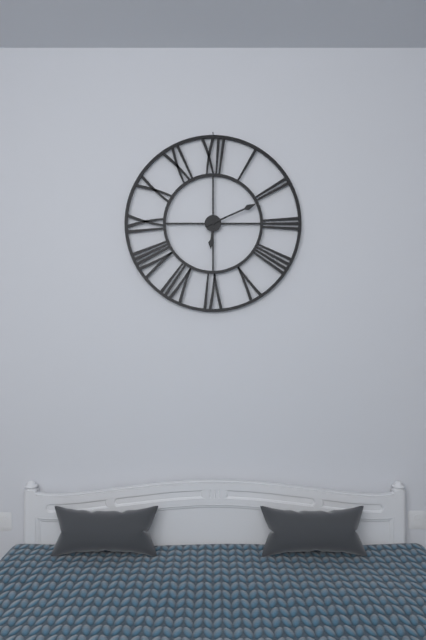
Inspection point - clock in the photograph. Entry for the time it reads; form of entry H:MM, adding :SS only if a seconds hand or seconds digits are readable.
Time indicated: 6:11
